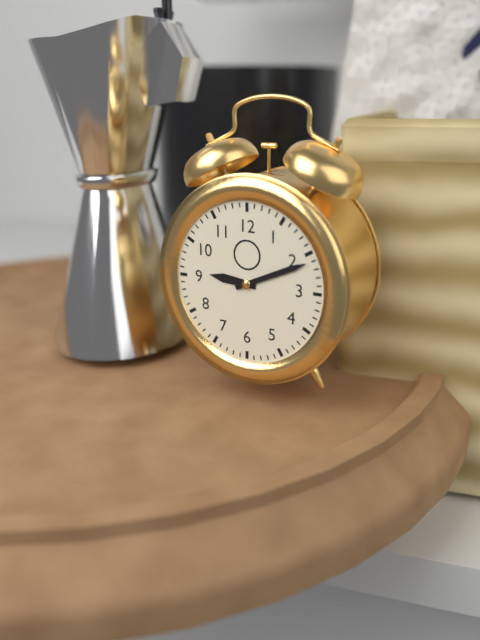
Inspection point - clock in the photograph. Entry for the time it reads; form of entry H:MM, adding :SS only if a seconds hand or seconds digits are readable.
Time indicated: 9:11
